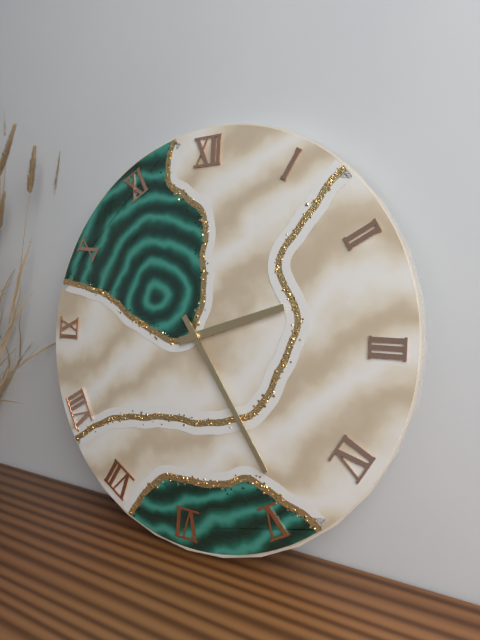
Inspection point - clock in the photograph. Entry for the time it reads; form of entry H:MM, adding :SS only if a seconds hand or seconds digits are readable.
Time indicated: 2:24
